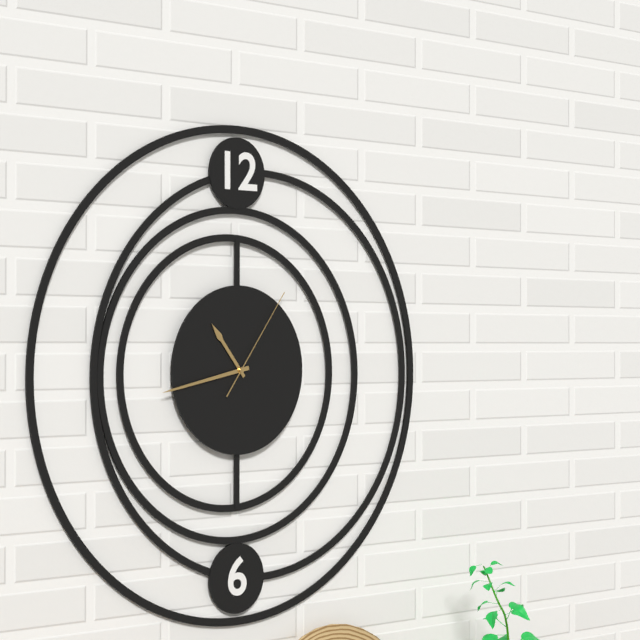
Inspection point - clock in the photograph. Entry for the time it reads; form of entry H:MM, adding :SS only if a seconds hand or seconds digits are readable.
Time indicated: 10:43:06
